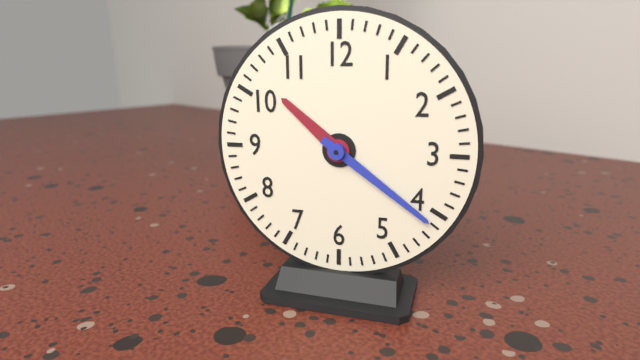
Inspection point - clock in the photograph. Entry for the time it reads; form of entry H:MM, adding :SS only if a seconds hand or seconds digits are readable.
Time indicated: 10:21
